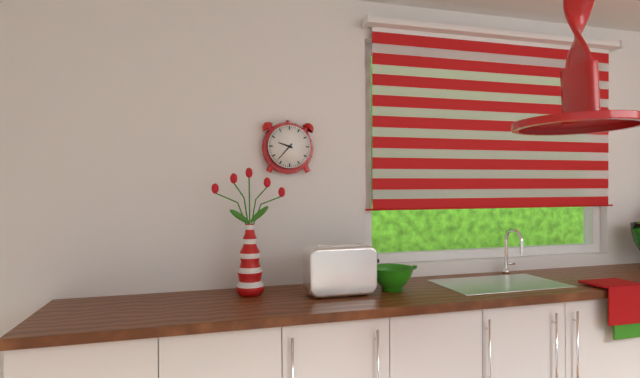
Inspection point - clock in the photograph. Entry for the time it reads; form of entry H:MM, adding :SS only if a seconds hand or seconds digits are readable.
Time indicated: 9:37
